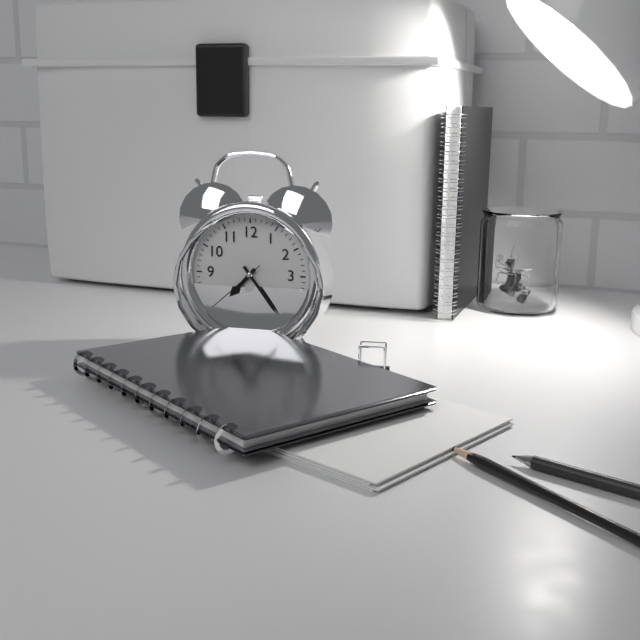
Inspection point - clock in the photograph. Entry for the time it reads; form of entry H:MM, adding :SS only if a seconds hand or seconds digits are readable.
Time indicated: 7:24:38
